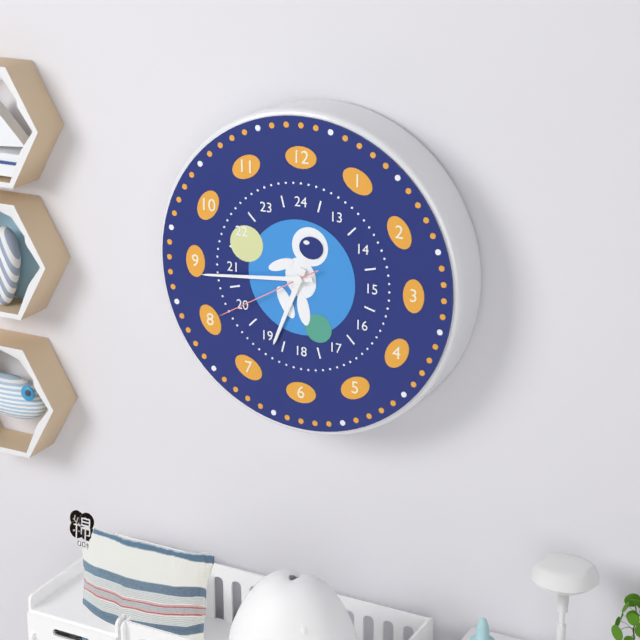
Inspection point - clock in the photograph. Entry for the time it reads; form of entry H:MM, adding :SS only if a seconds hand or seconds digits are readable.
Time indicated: 6:44:40
